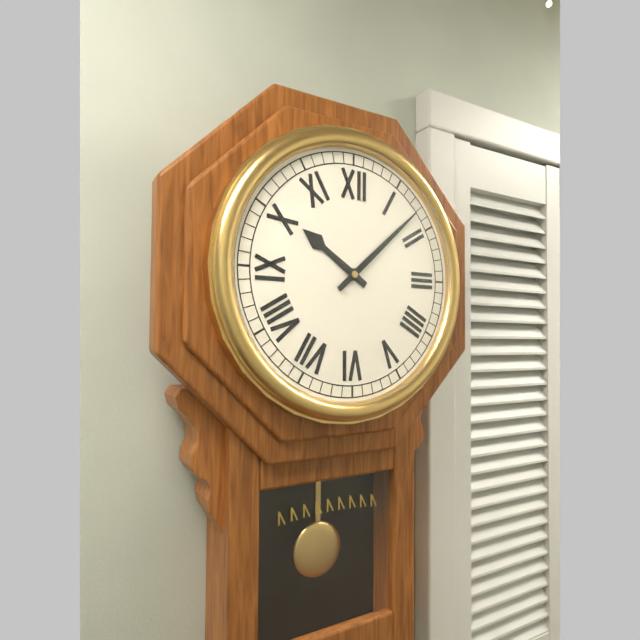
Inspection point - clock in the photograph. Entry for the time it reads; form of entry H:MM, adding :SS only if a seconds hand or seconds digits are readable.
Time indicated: 10:08
